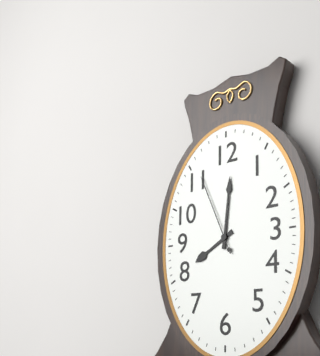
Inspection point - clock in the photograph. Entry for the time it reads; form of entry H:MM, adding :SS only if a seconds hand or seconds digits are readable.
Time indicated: 8:01:56
